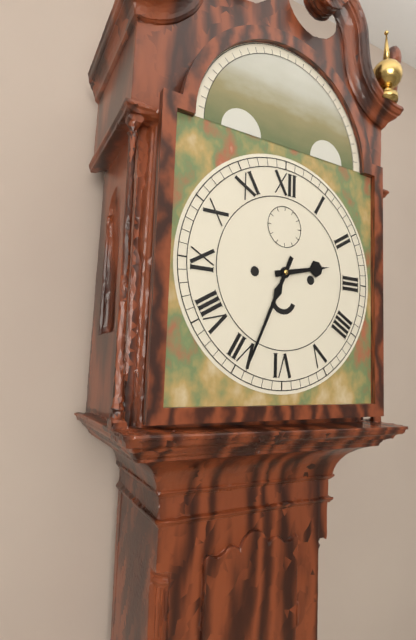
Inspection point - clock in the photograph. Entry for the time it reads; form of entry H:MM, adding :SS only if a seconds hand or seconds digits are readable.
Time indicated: 2:34
